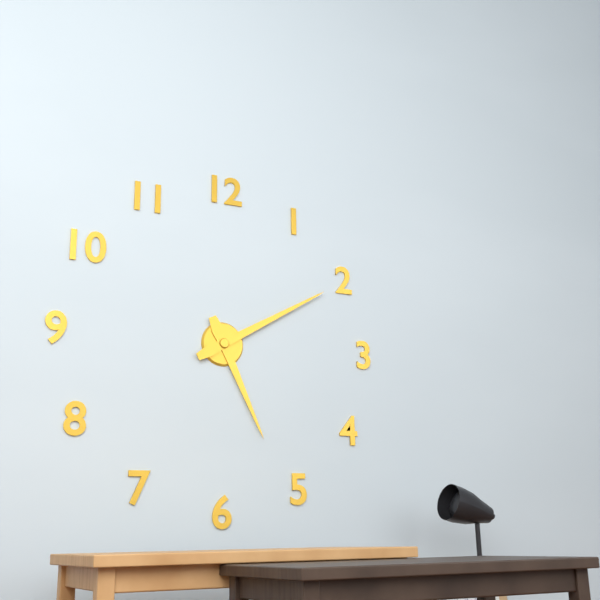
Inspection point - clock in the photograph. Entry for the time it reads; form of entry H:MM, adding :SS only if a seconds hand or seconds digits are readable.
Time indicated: 5:10
